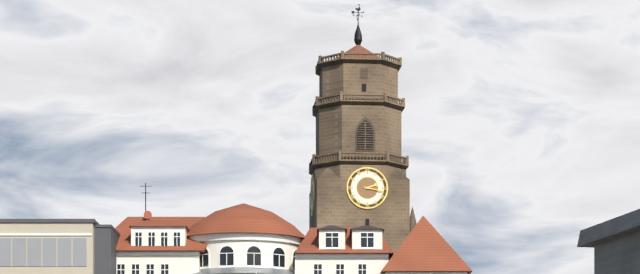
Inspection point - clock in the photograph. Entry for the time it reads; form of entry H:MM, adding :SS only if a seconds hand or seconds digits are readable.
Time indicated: 2:17
